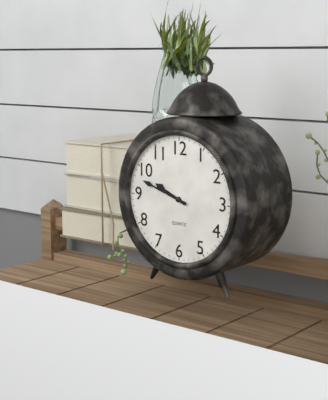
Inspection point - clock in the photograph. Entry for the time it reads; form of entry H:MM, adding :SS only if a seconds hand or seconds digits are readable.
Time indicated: 9:48
